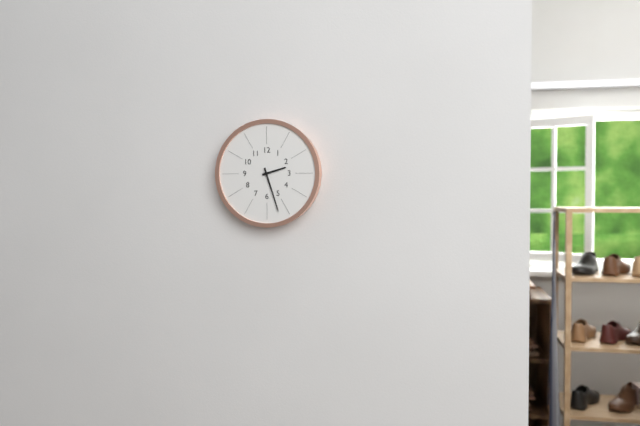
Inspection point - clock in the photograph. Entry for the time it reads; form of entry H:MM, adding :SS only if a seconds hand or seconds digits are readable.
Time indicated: 2:27
